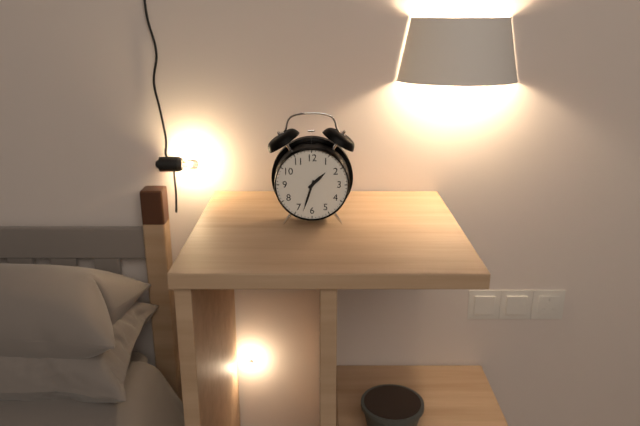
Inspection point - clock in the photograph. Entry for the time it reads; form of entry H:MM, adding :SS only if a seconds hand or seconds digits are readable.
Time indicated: 1:33
